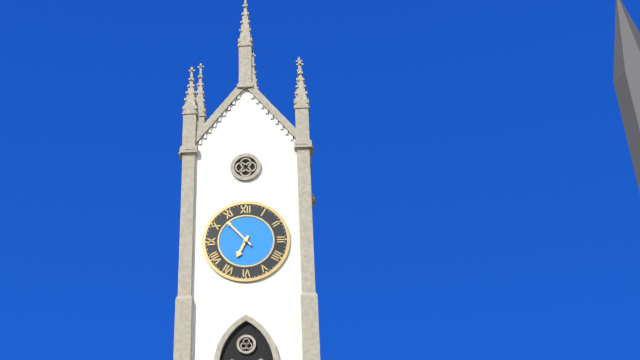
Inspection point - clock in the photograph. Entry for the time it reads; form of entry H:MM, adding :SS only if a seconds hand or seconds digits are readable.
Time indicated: 6:53
